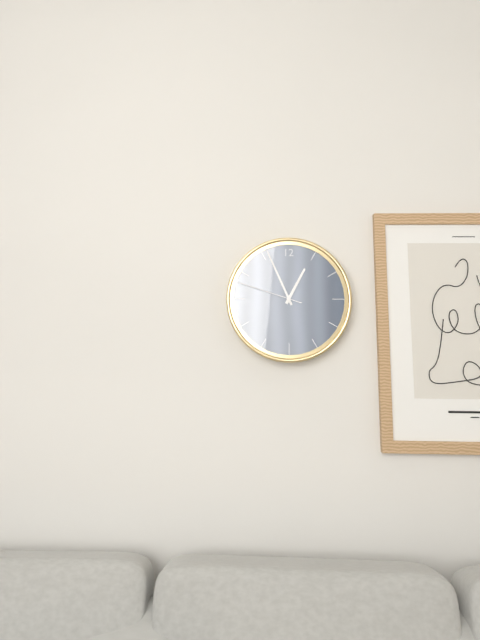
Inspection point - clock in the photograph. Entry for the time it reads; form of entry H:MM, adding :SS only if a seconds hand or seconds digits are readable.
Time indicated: 12:56:48
